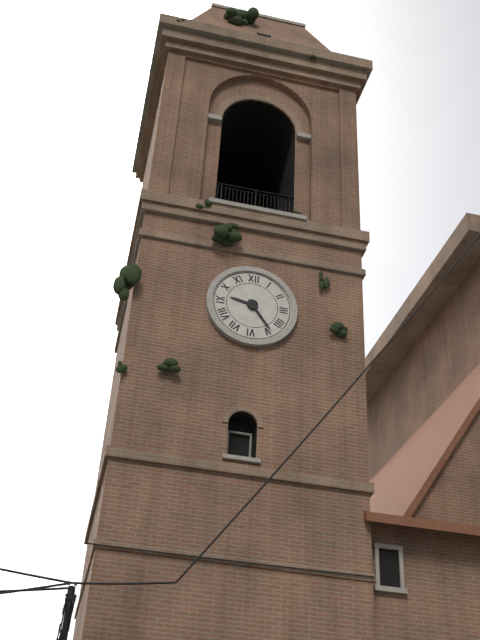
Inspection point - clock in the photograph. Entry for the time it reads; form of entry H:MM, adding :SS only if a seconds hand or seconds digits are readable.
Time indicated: 9:24
